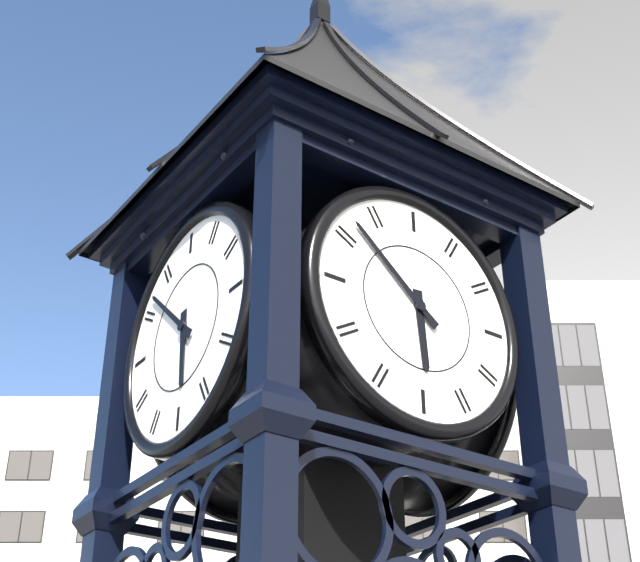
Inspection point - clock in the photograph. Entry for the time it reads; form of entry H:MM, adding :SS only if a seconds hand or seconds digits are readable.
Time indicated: 5:52
